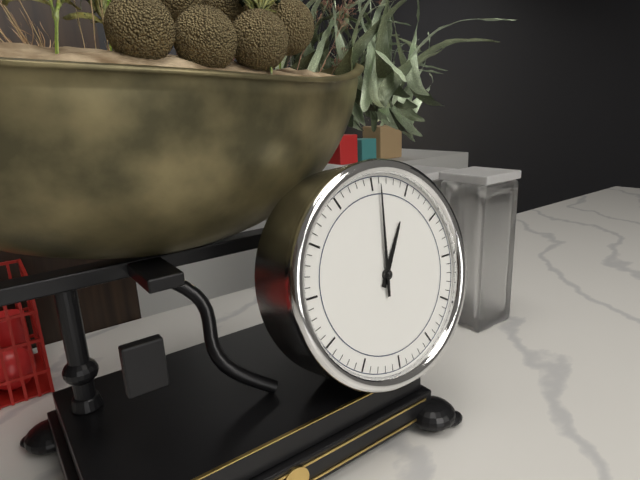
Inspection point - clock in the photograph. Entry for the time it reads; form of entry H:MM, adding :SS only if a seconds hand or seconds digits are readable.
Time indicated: 1:01
